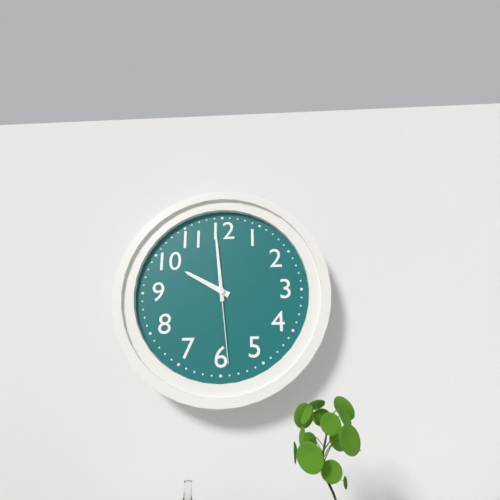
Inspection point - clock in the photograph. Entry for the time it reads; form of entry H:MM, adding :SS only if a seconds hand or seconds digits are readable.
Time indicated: 9:59:29
